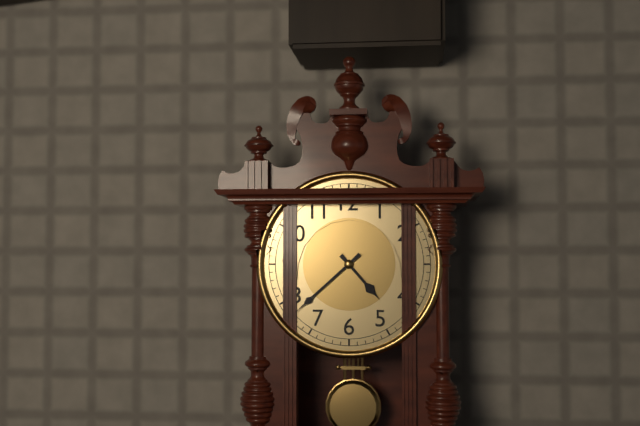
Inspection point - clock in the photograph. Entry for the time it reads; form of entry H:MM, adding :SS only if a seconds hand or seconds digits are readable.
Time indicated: 4:38
